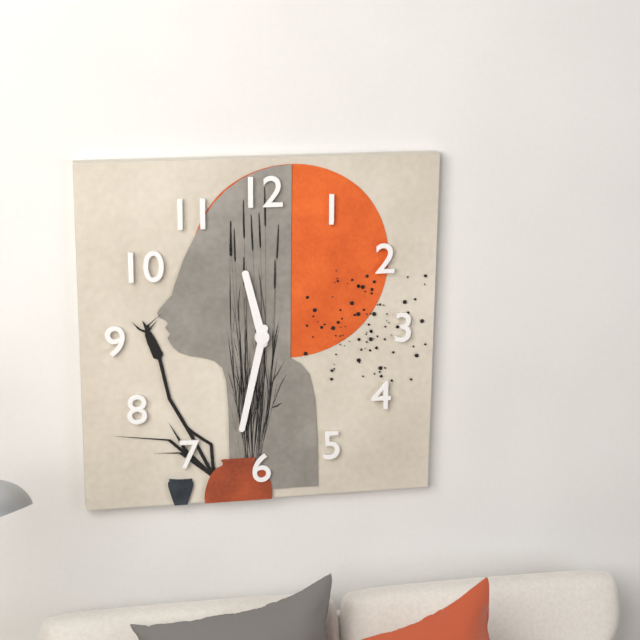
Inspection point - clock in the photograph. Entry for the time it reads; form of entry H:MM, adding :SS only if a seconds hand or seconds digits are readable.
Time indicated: 11:32
